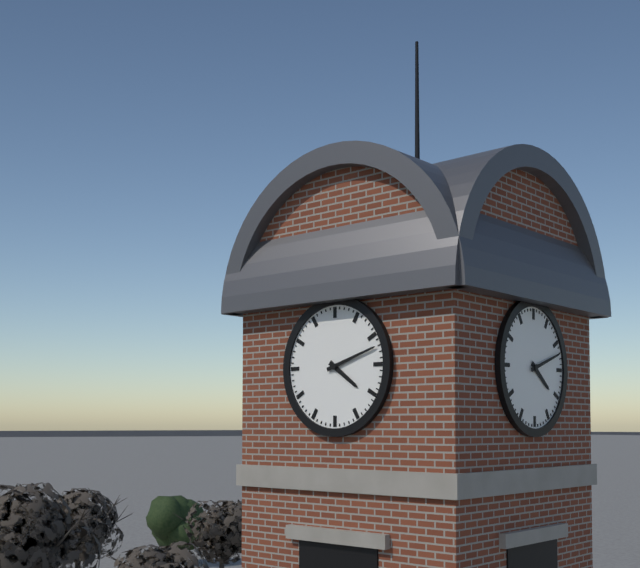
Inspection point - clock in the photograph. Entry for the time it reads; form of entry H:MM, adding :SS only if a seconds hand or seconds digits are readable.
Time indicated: 4:12
